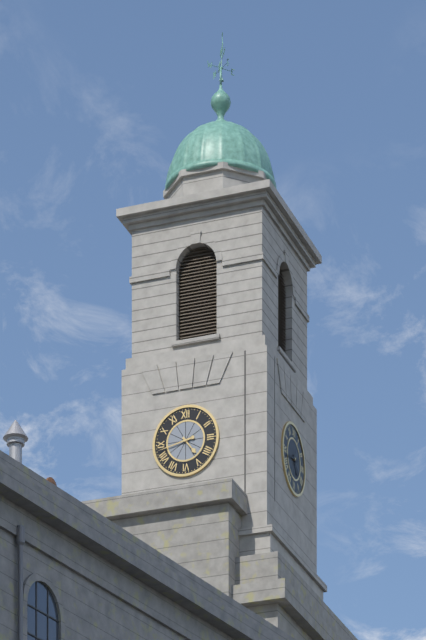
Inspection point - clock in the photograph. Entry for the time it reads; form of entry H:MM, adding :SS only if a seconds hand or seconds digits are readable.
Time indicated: 4:43
